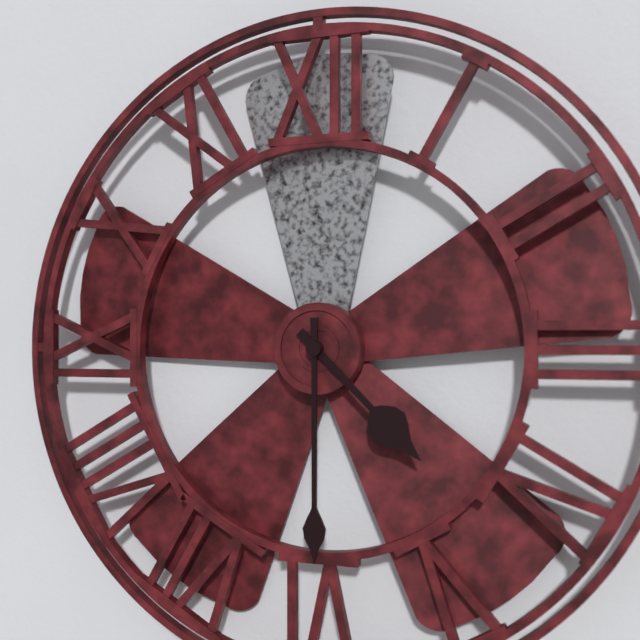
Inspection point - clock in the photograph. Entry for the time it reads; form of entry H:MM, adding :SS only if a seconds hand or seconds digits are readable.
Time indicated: 4:30
